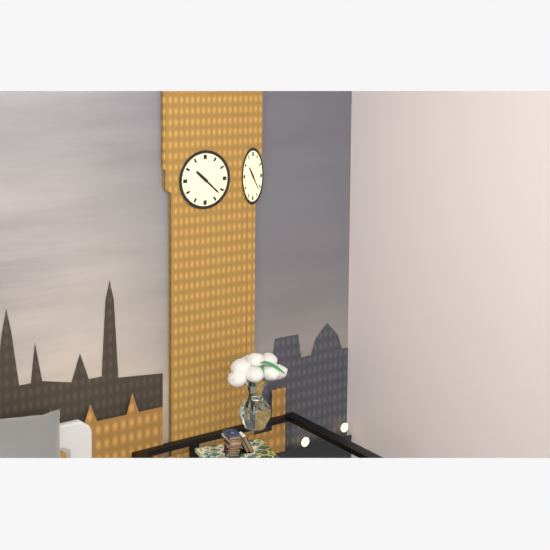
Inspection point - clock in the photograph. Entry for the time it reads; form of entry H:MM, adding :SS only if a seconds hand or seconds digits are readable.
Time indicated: 10:22
